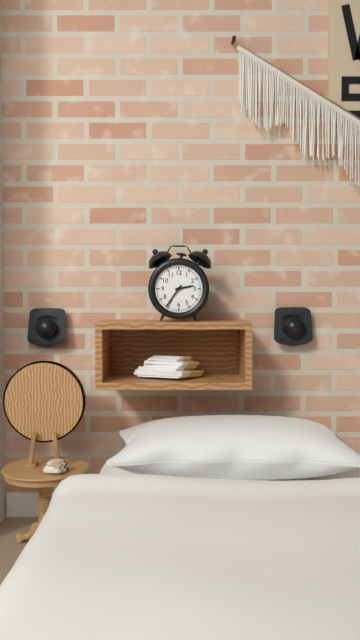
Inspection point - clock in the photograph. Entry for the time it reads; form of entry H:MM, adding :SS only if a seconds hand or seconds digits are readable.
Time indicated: 2:36
